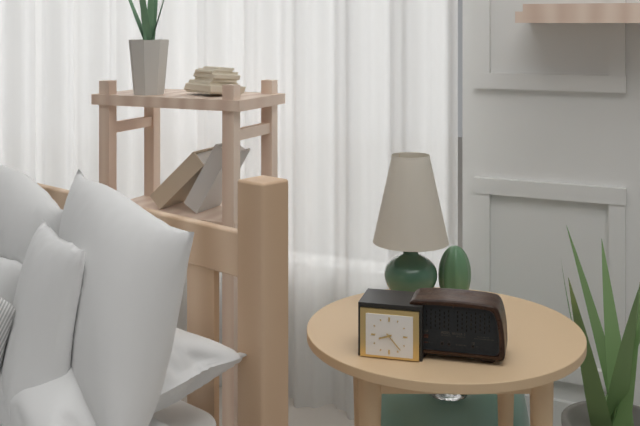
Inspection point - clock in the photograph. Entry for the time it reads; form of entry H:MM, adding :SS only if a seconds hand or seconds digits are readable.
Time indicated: 8:23
